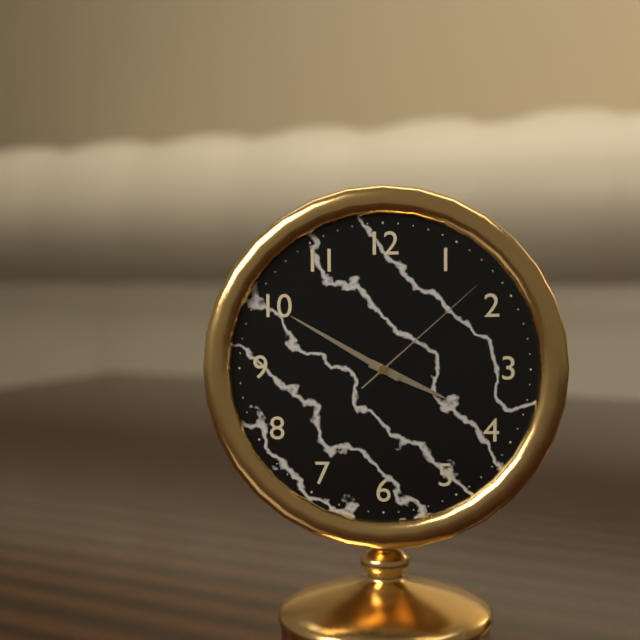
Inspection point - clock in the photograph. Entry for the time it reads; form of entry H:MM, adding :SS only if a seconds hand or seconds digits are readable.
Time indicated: 3:50:08
